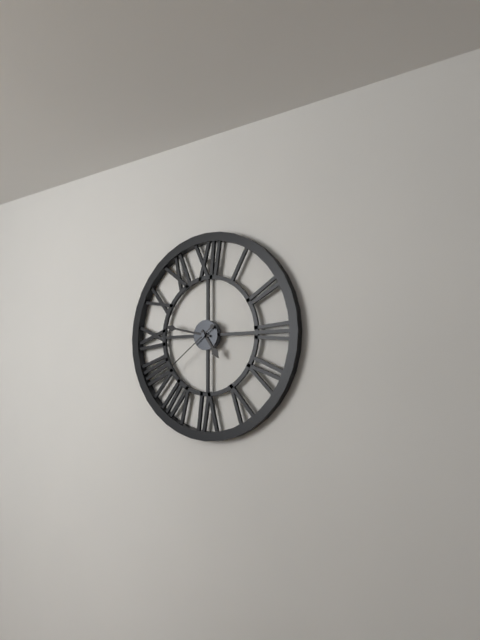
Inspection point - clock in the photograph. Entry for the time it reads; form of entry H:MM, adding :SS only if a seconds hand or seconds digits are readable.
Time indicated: 4:47:39
